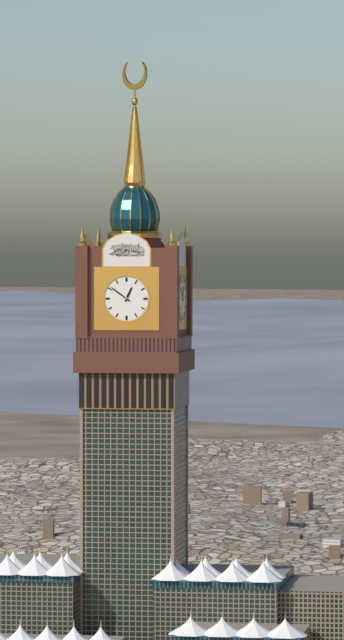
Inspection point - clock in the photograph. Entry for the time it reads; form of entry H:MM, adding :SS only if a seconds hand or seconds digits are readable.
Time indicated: 12:51
